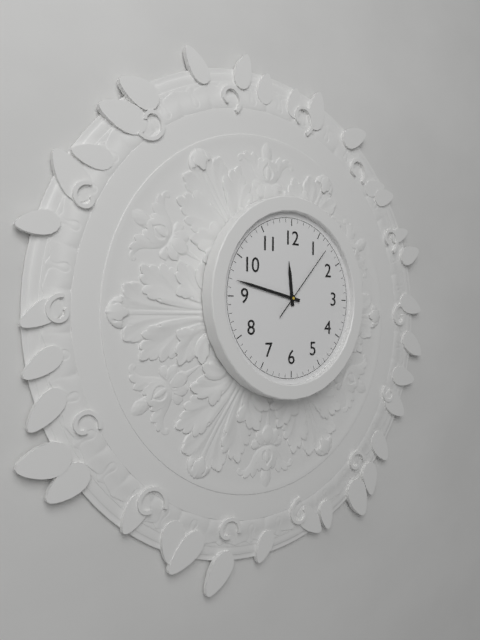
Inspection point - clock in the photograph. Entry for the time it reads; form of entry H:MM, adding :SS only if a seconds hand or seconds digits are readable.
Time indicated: 11:47:07
